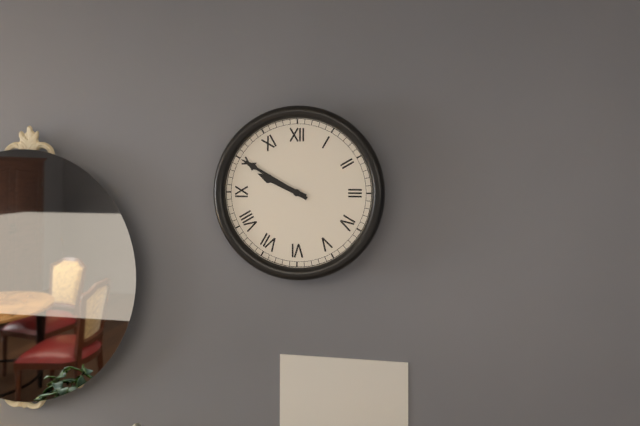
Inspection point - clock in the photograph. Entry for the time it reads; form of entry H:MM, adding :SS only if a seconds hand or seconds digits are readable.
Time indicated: 9:50
